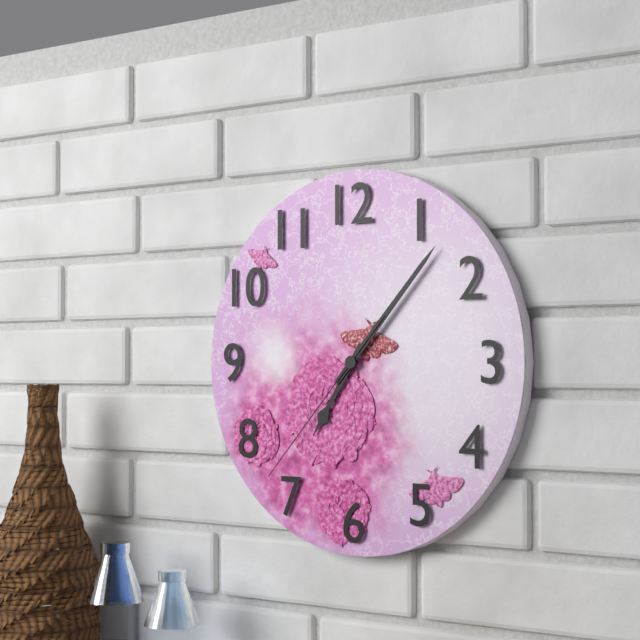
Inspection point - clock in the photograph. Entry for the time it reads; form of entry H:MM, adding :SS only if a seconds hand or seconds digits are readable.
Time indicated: 7:07:37
